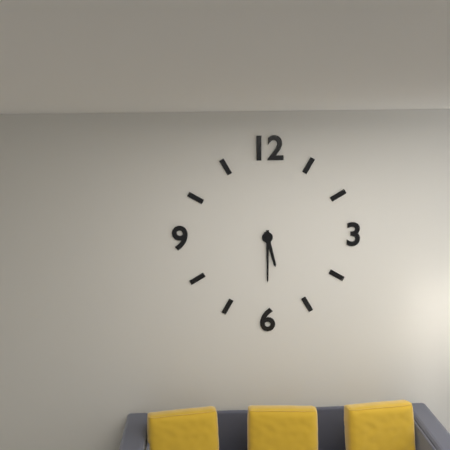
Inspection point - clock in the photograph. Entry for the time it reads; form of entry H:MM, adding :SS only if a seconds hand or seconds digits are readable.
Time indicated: 5:30
